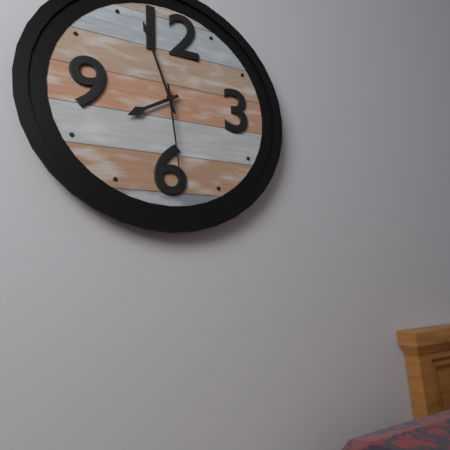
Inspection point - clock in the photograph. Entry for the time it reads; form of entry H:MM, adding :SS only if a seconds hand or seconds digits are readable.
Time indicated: 7:57:29
